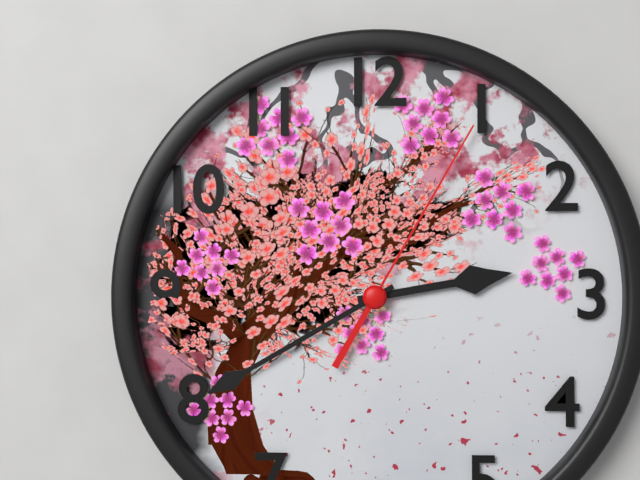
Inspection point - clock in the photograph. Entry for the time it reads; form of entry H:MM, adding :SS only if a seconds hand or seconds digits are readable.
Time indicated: 2:40:05
